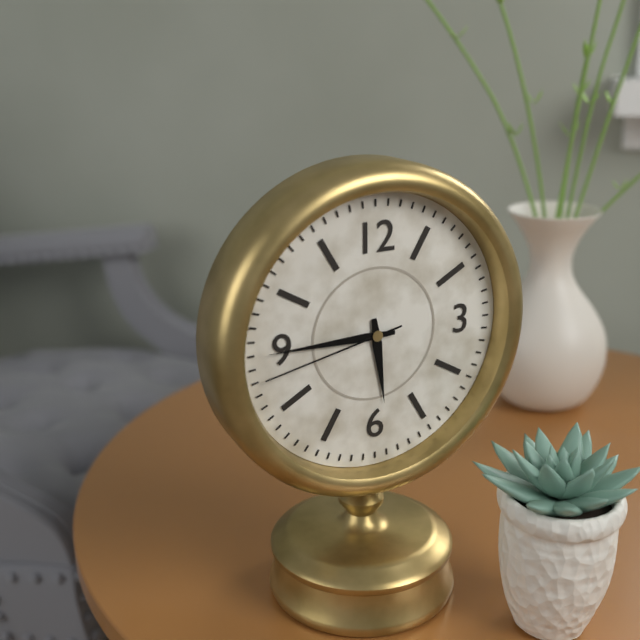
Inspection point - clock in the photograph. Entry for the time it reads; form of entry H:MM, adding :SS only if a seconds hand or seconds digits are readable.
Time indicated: 5:45:43
